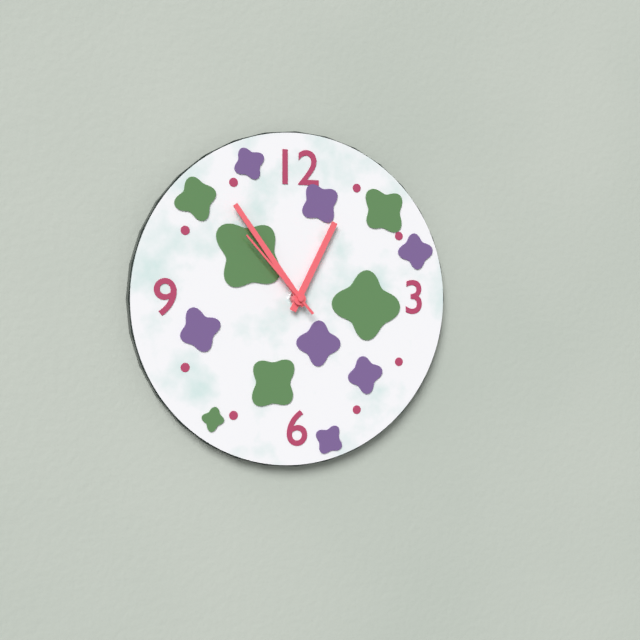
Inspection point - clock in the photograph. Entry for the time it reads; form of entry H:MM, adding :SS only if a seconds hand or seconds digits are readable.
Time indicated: 12:54:53
